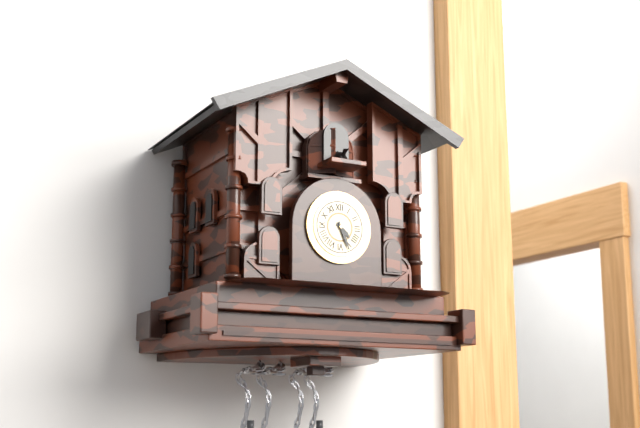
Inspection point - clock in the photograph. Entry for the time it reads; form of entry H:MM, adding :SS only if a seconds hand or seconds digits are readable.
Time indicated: 4:26
